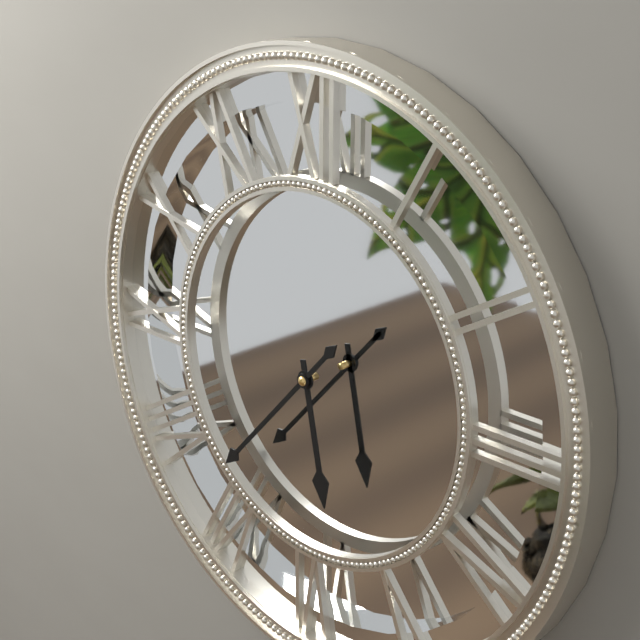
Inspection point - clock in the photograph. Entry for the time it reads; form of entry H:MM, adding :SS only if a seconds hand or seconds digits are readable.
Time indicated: 5:37
